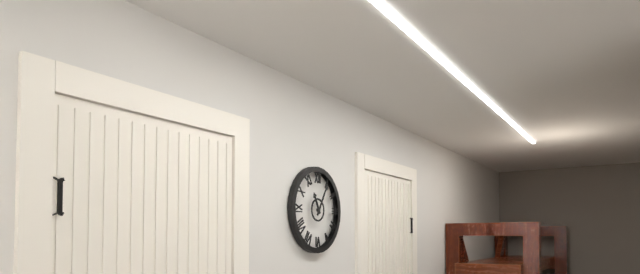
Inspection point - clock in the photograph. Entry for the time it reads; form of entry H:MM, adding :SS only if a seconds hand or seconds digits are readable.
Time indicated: 11:05
